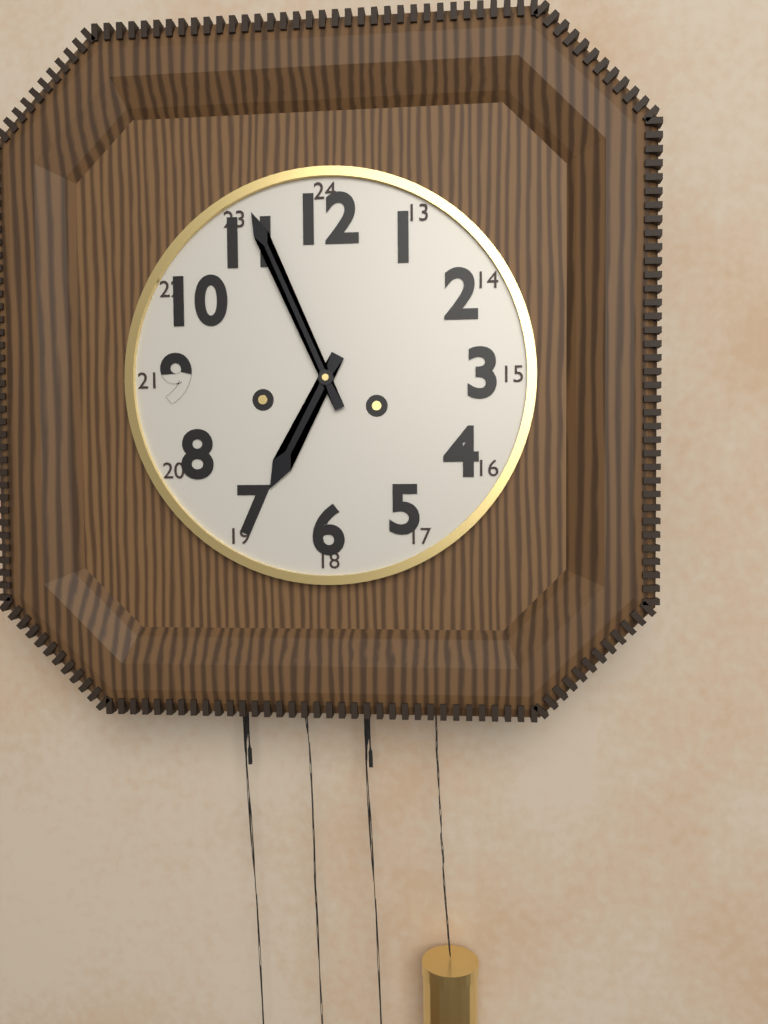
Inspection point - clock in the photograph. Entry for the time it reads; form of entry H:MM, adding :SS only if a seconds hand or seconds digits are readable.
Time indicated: 6:56
